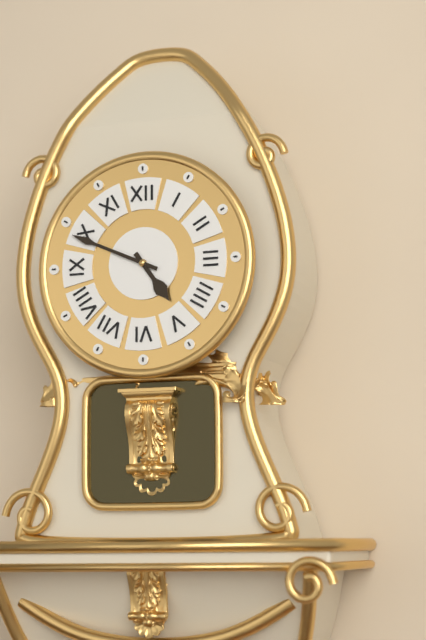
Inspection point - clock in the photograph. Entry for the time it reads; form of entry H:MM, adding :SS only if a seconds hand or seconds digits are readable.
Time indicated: 4:49
